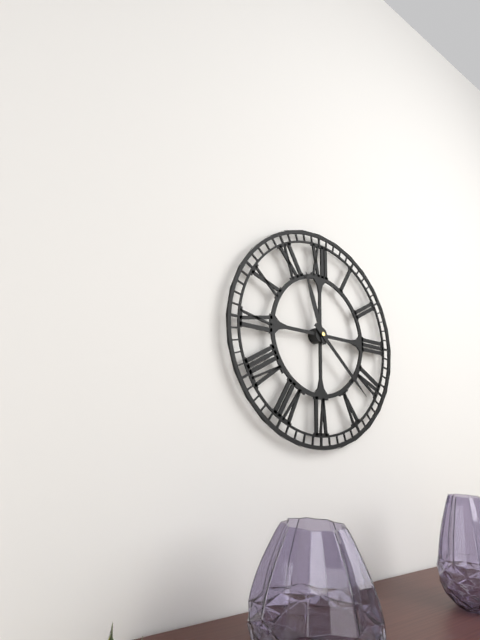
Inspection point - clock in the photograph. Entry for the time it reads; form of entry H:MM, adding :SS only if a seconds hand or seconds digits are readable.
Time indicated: 11:22
